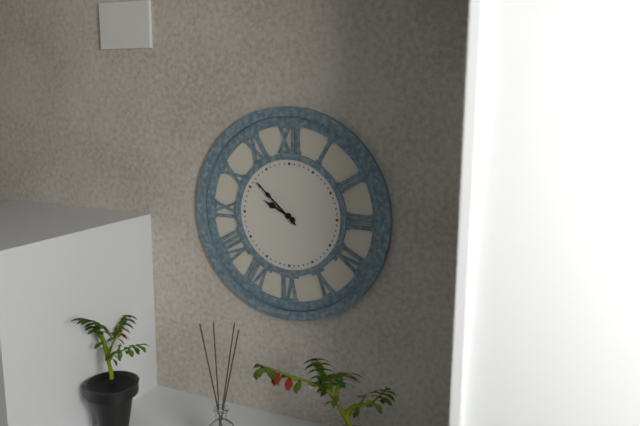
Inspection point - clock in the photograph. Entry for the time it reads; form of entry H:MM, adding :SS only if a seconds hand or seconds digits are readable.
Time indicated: 9:52
